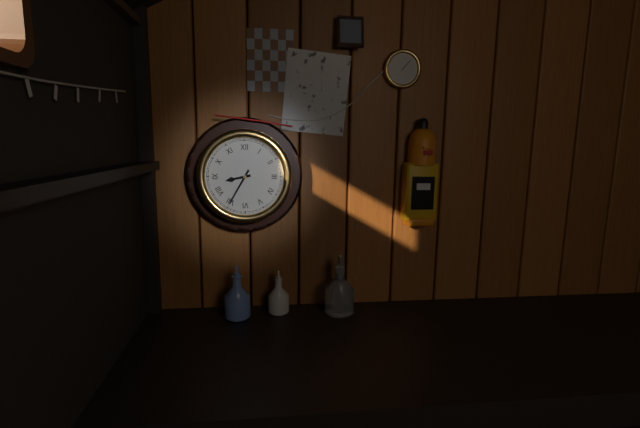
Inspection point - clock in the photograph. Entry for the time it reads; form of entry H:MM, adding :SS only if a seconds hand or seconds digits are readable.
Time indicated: 8:35
